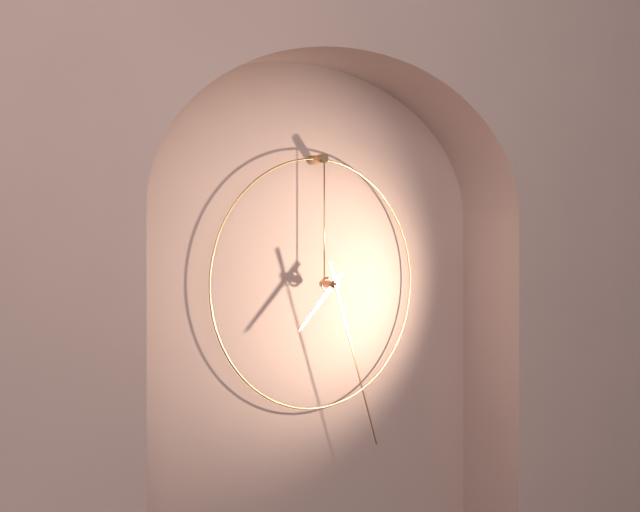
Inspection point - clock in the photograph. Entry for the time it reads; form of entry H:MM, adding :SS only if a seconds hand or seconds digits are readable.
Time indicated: 7:27
